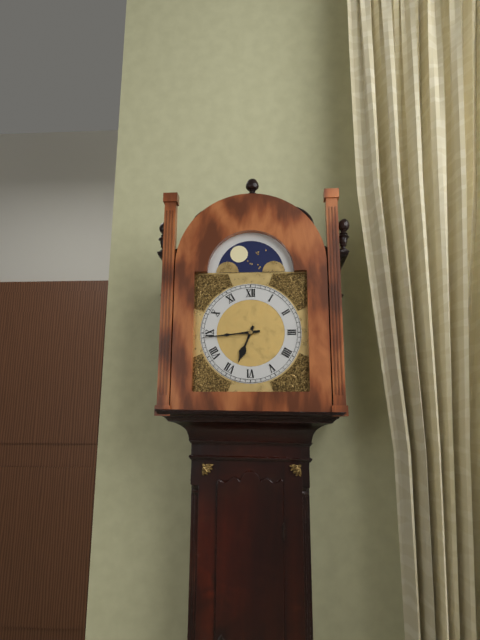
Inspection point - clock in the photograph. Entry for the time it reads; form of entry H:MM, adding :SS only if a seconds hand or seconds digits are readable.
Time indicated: 6:44
